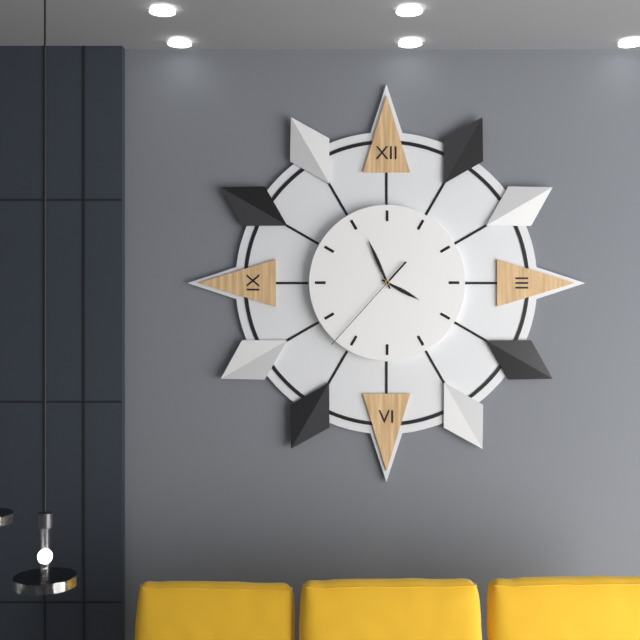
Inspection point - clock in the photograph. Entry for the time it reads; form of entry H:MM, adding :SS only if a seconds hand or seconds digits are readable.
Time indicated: 3:56:37
